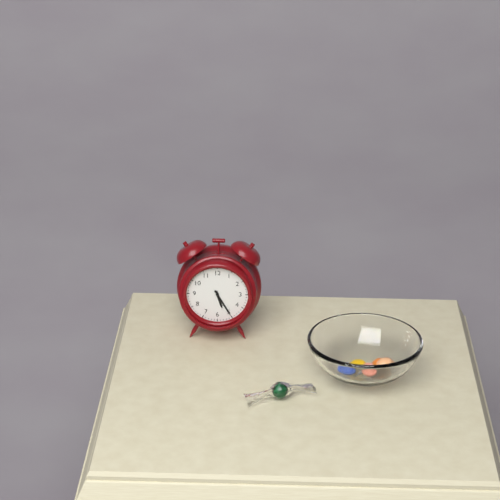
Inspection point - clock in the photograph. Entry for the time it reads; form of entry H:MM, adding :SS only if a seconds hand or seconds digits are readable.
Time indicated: 5:25
